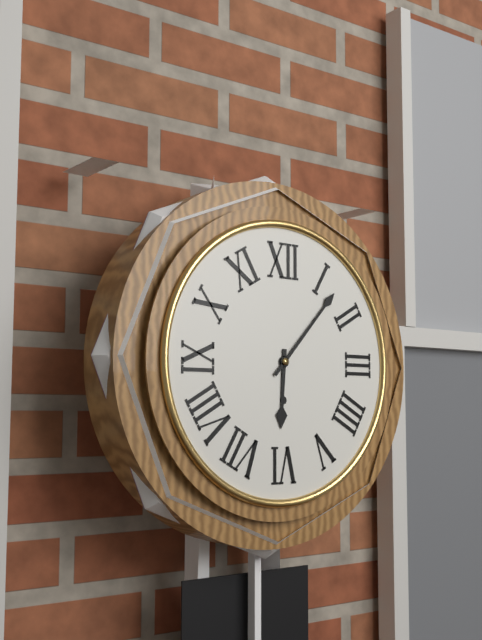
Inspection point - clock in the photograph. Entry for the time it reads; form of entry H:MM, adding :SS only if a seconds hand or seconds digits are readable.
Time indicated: 6:07
